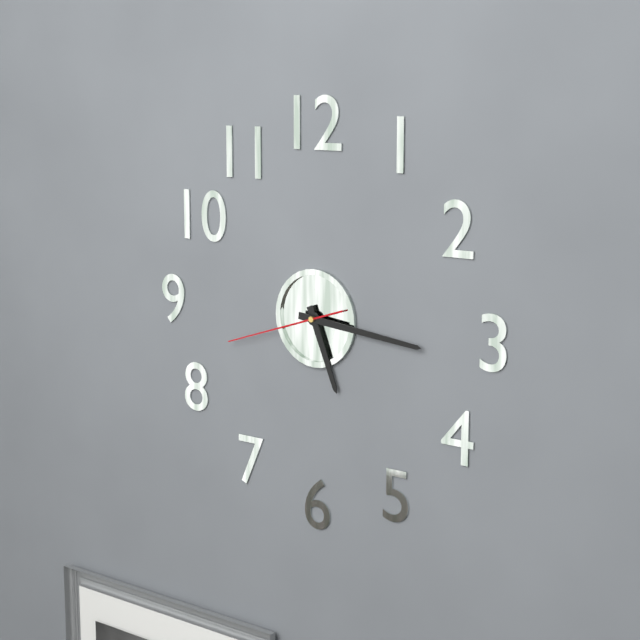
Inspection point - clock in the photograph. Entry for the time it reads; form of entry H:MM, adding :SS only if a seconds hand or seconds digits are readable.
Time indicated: 5:16:42
